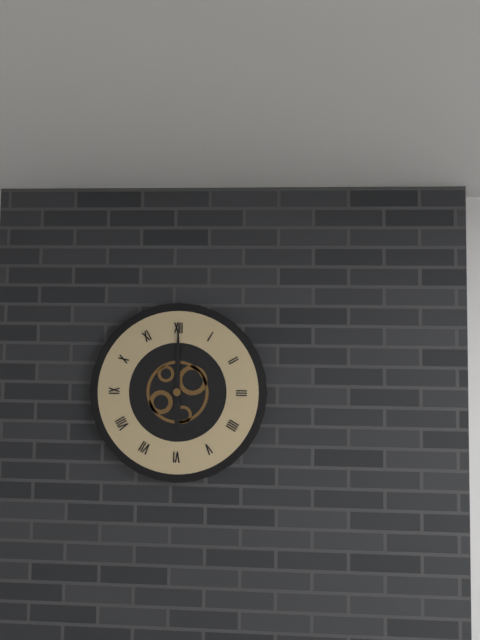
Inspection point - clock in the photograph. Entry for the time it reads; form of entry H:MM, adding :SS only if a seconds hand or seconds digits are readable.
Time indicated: 6:00
